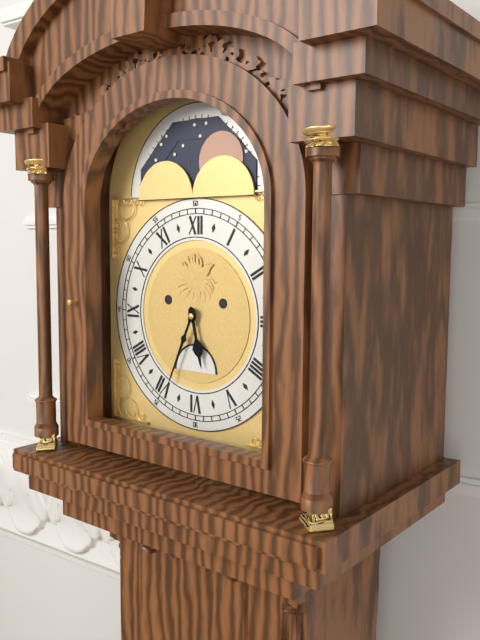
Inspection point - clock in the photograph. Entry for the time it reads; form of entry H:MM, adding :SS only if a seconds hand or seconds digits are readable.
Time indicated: 5:34
